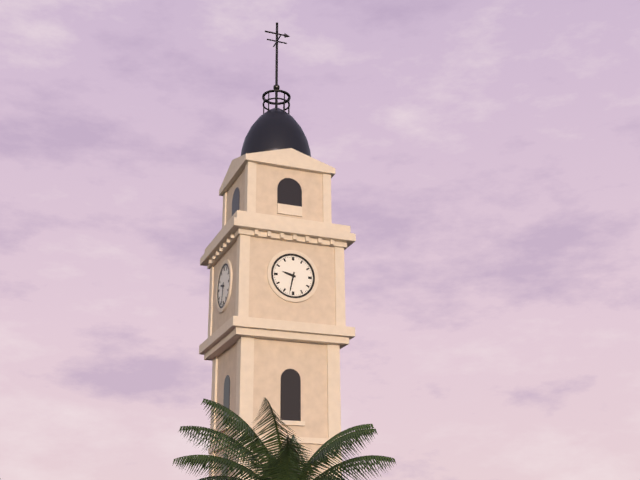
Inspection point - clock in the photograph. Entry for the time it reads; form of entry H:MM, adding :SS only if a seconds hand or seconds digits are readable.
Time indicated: 9:32
